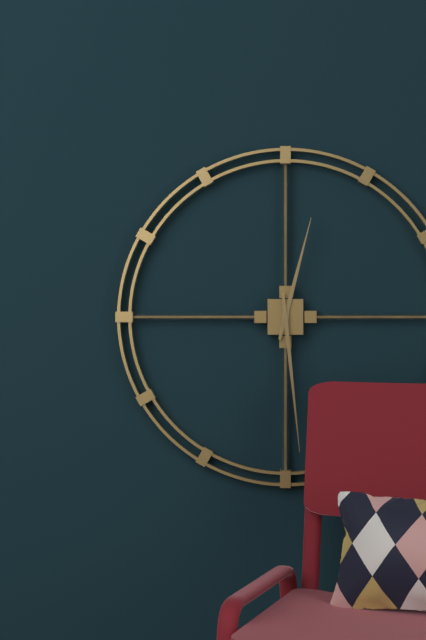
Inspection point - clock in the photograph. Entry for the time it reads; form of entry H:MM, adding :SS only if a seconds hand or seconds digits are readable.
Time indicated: 12:29
